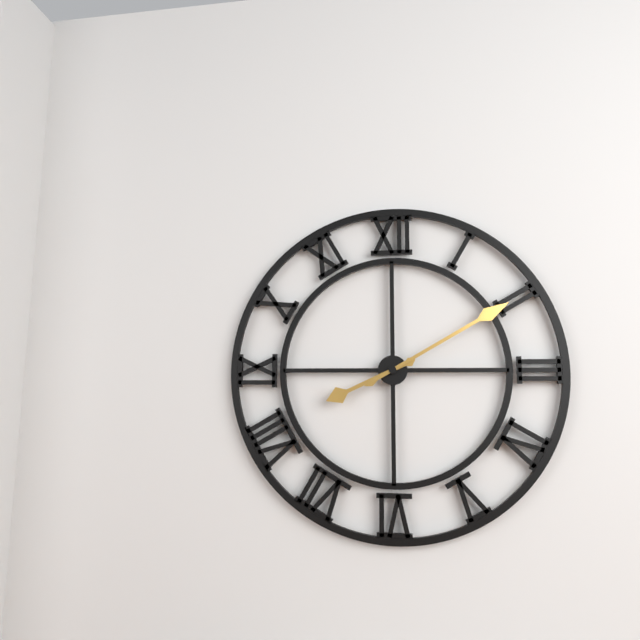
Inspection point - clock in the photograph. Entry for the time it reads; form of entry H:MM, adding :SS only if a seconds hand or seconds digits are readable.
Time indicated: 8:10
